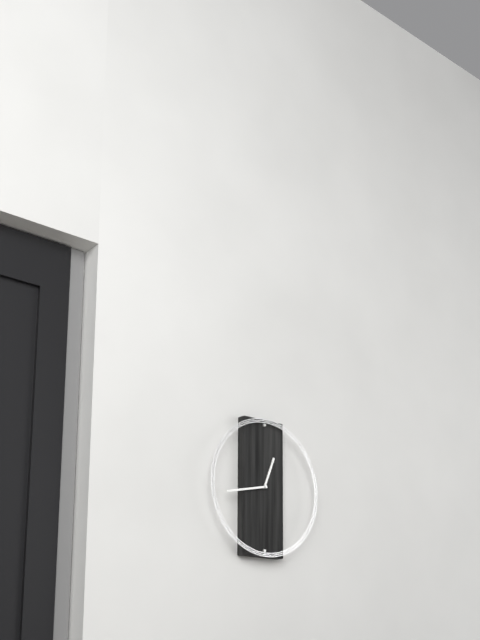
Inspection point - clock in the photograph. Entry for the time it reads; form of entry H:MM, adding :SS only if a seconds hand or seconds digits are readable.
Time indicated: 12:43
